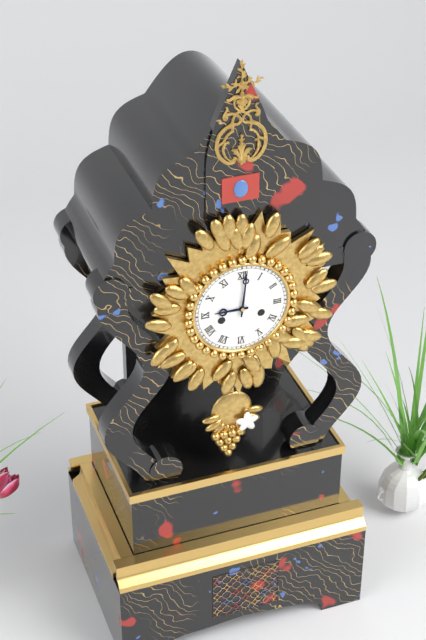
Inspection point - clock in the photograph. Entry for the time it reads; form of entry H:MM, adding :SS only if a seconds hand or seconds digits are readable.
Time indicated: 9:01
